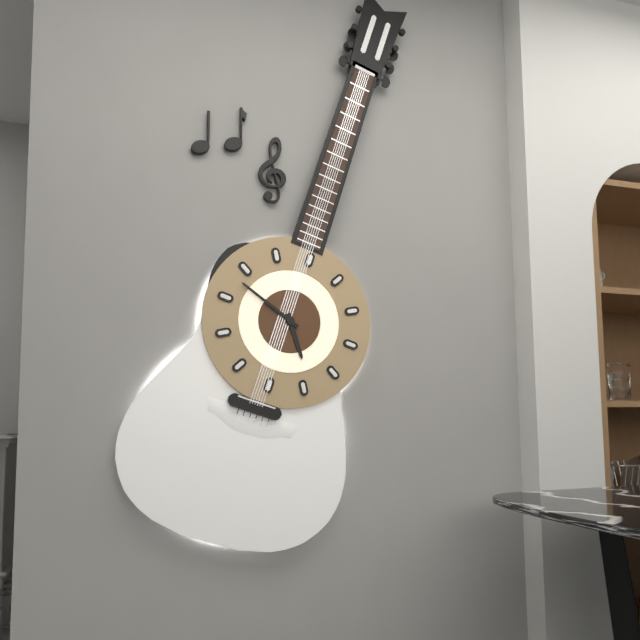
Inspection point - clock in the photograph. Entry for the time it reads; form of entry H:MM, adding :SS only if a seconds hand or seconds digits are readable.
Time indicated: 4:48
